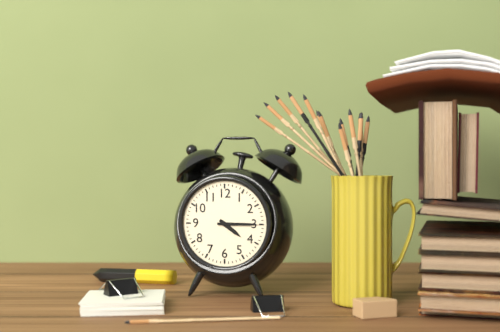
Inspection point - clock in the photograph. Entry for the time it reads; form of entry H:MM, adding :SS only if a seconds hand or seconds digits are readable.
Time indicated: 4:15
